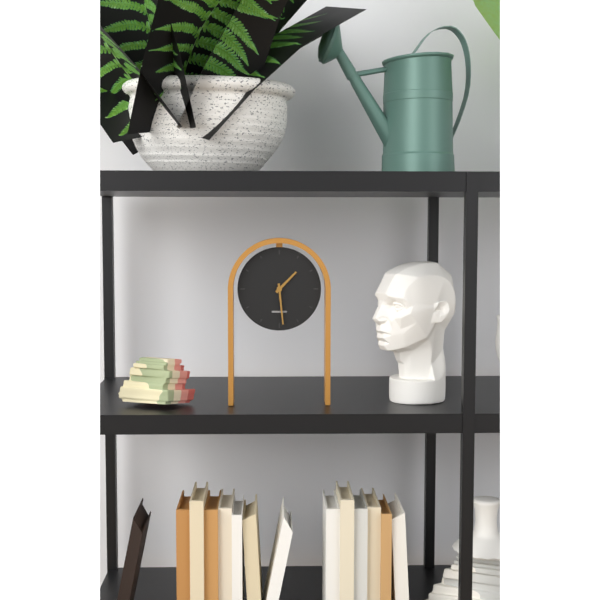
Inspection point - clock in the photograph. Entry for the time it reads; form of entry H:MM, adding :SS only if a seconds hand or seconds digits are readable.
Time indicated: 1:29
